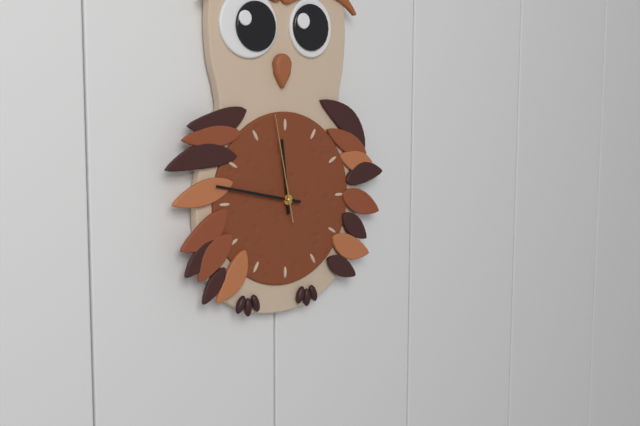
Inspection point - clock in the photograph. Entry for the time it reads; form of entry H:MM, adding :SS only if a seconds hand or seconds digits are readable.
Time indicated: 11:47:58
